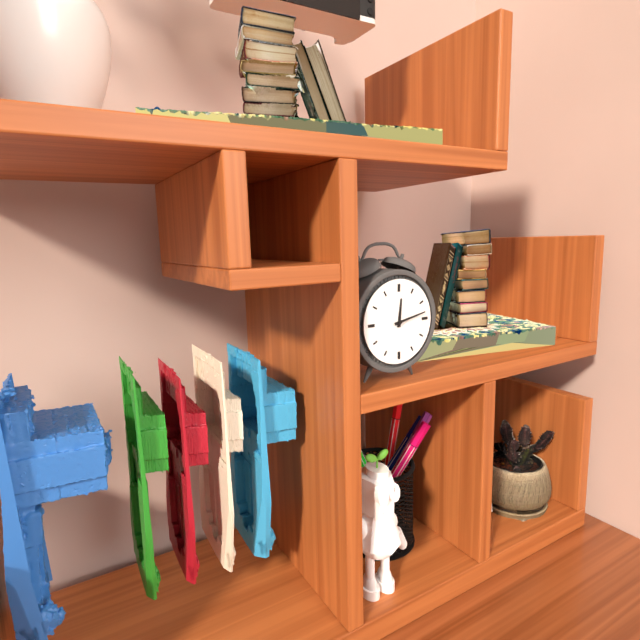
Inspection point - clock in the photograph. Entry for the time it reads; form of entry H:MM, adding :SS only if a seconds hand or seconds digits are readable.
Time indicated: 12:13
